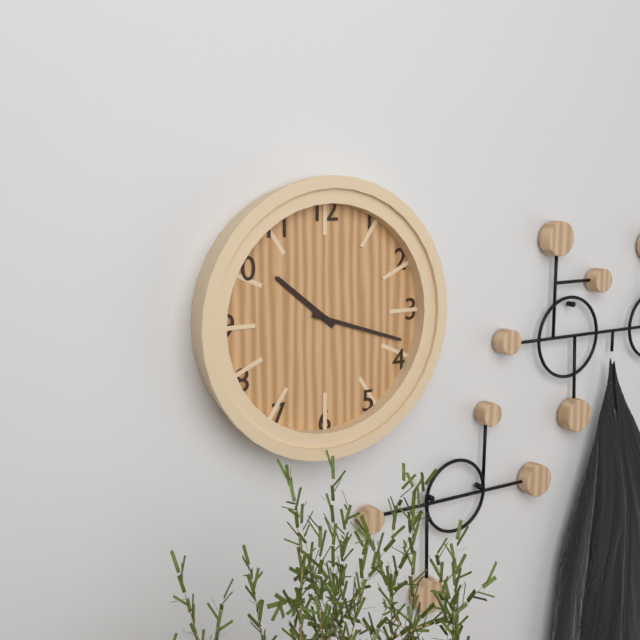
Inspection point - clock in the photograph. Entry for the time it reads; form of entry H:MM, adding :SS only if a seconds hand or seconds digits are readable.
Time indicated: 10:18
